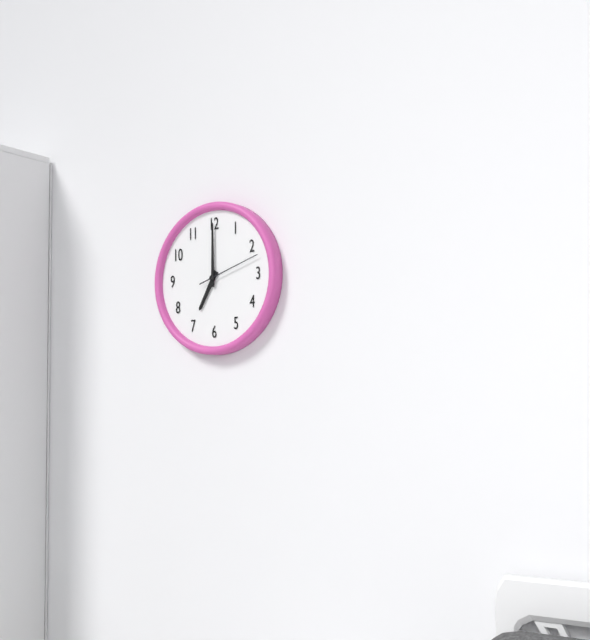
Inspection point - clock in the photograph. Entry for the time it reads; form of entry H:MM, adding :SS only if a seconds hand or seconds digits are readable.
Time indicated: 7:00:12
